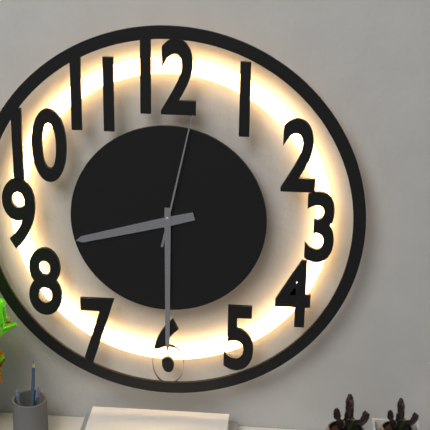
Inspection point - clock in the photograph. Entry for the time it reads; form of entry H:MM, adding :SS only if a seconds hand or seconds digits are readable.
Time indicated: 8:30:02
